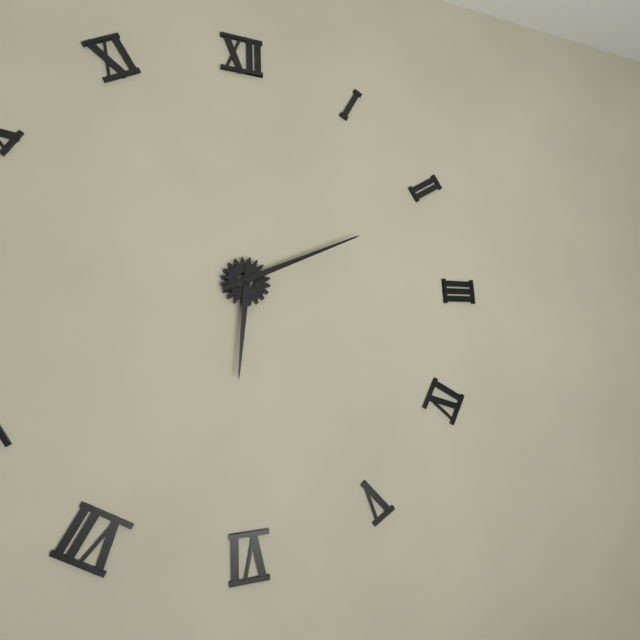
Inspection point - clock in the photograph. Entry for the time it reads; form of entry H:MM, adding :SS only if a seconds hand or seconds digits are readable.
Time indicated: 6:11
